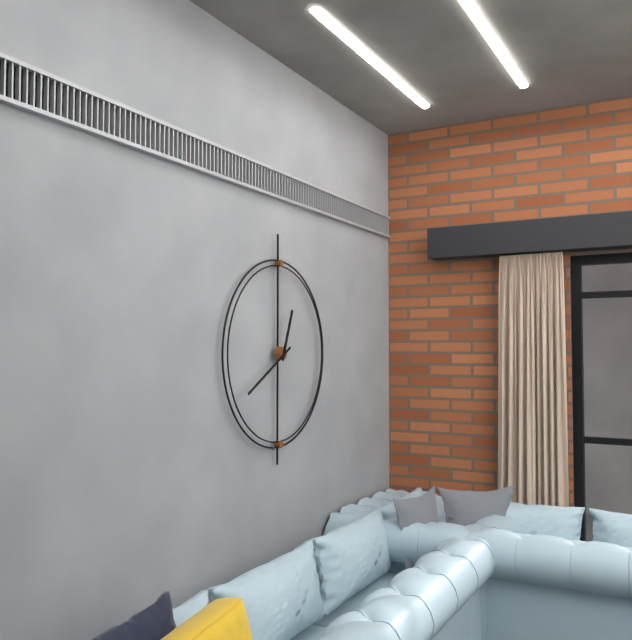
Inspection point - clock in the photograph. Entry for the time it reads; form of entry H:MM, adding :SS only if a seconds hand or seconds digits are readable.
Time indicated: 12:40
